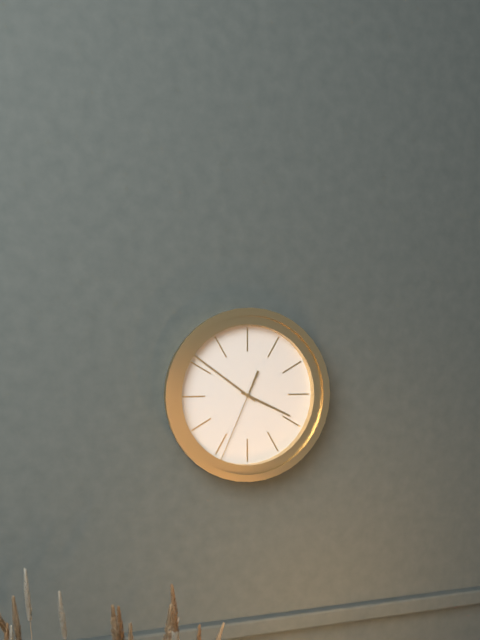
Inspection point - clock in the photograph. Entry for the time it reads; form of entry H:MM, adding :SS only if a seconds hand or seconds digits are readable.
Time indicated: 3:51:34
